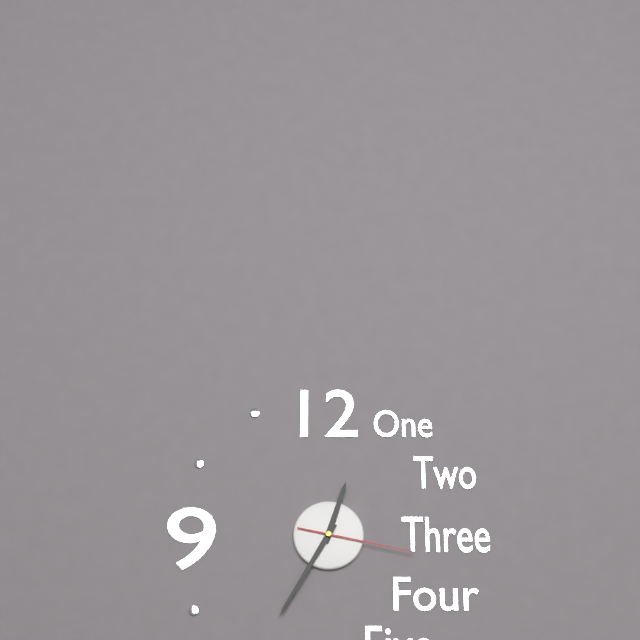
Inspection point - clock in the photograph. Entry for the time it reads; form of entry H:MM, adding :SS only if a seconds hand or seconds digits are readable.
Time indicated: 12:35:17
